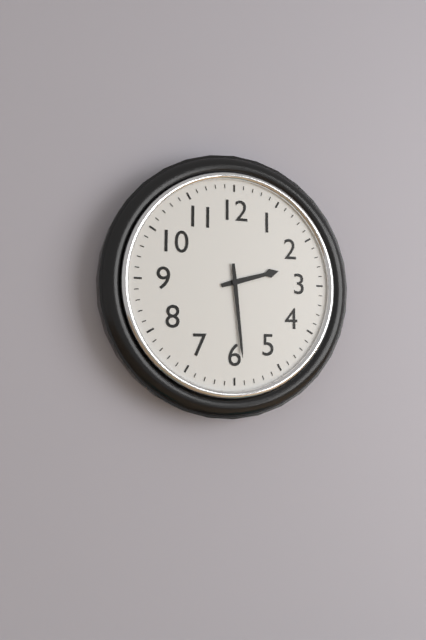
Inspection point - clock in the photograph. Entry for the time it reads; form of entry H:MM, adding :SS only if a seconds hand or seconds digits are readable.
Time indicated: 2:29
